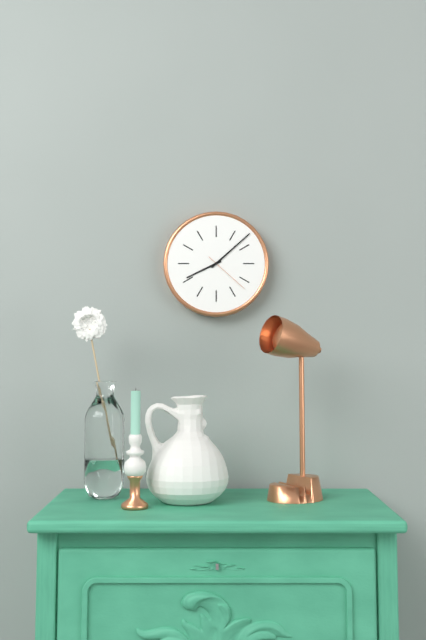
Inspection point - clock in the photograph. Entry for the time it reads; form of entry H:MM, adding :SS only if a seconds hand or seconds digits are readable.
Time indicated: 8:08
